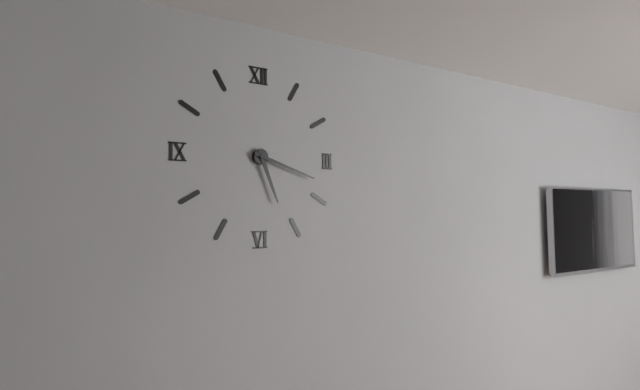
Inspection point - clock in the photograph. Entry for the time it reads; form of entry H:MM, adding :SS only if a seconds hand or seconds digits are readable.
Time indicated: 5:18
